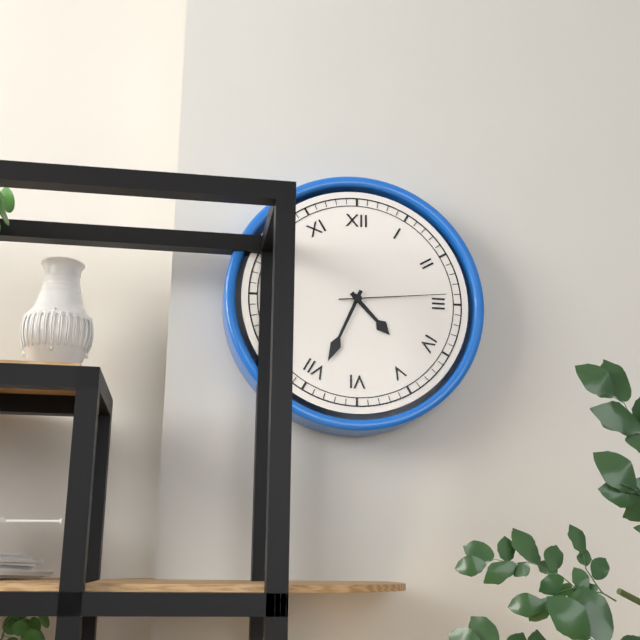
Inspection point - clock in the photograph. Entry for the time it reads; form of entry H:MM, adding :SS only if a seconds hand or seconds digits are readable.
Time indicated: 4:34:14
